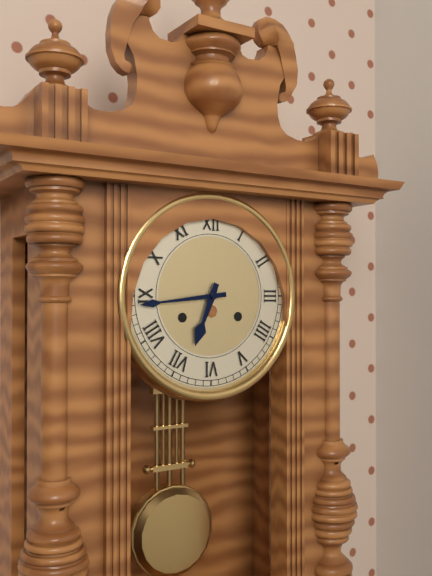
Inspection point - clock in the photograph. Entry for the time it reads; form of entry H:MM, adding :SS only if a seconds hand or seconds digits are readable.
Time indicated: 6:44
